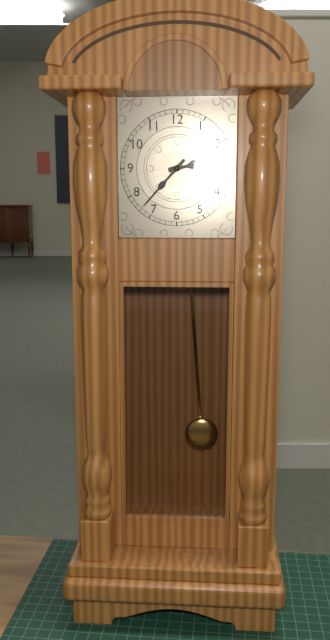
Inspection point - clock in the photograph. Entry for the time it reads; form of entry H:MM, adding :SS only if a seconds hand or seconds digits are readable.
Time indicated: 2:37
